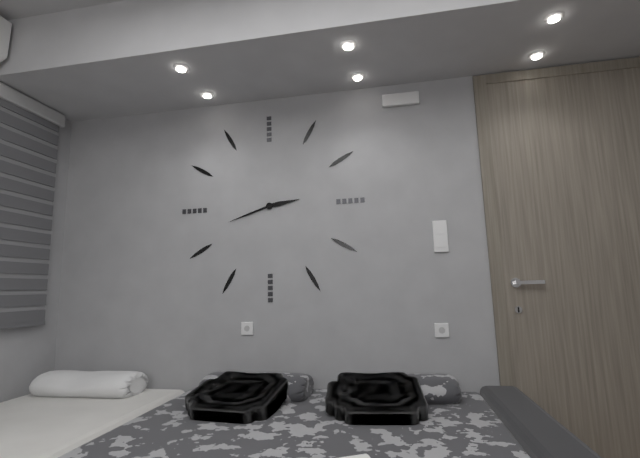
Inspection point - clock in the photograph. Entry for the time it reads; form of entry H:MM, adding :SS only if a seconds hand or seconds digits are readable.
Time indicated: 2:42
